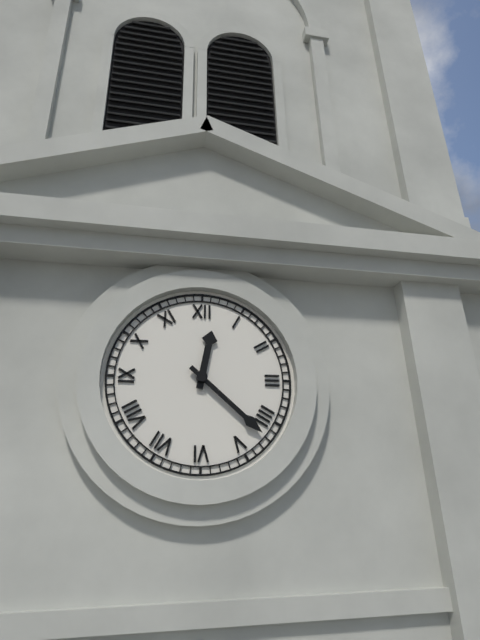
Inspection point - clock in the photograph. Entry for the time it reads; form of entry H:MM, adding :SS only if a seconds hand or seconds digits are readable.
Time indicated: 12:22
